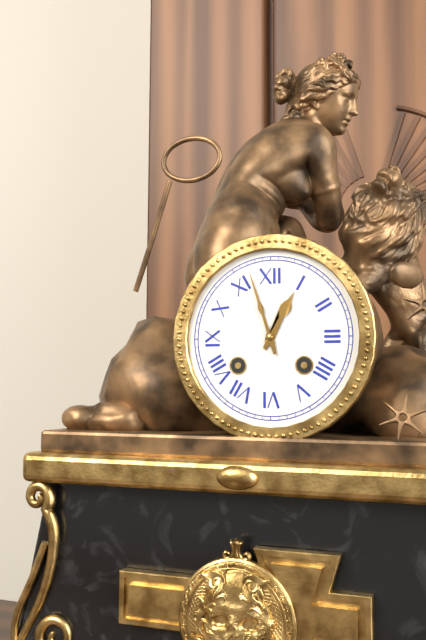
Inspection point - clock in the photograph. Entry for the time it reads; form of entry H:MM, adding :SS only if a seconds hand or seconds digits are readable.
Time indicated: 12:57
